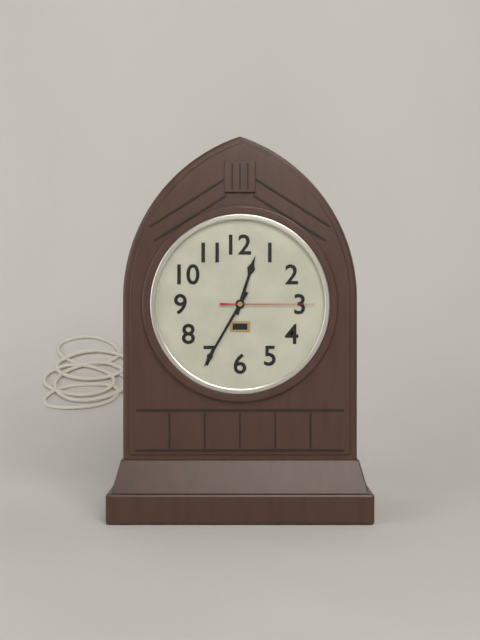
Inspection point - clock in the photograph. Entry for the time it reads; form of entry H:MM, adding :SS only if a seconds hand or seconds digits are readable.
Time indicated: 12:35:15
